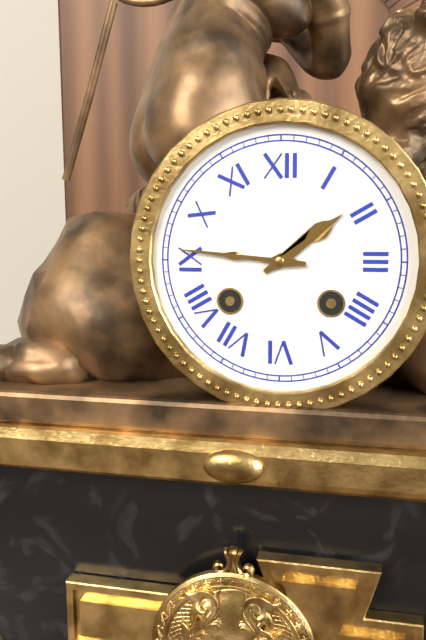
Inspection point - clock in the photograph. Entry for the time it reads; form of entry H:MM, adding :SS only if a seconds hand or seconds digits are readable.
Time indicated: 1:46
